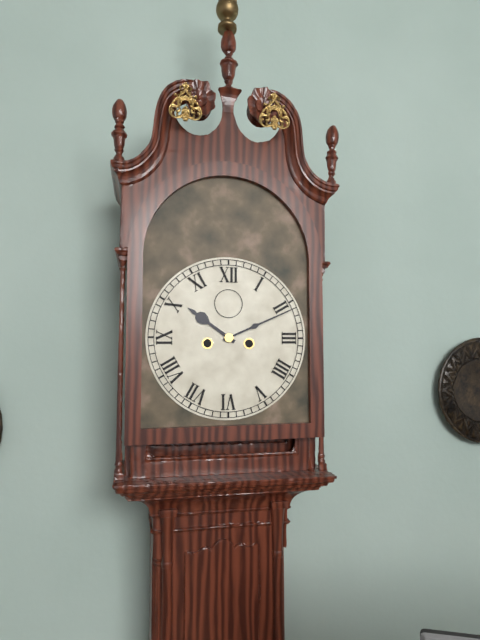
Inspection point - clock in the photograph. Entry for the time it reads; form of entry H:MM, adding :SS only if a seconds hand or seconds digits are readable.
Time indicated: 10:11
